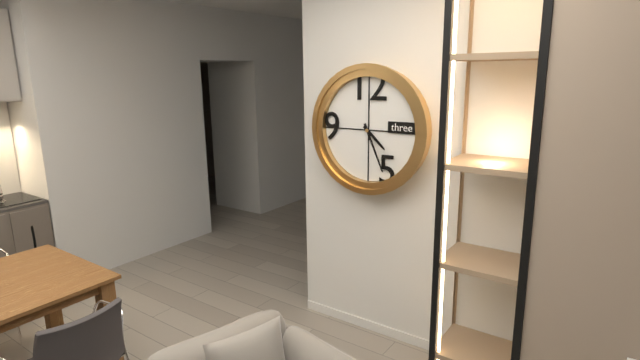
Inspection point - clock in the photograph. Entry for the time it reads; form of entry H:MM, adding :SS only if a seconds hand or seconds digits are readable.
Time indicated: 4:26
